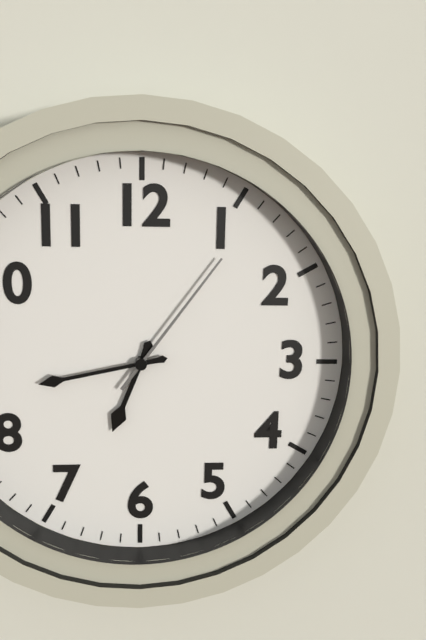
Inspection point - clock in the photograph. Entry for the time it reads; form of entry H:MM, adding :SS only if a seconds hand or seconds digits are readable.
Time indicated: 6:43:06
